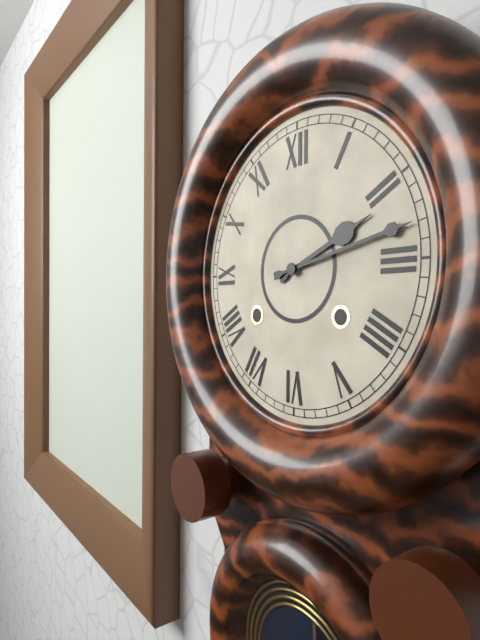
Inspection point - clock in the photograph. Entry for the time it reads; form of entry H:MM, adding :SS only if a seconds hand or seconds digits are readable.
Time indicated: 2:13
